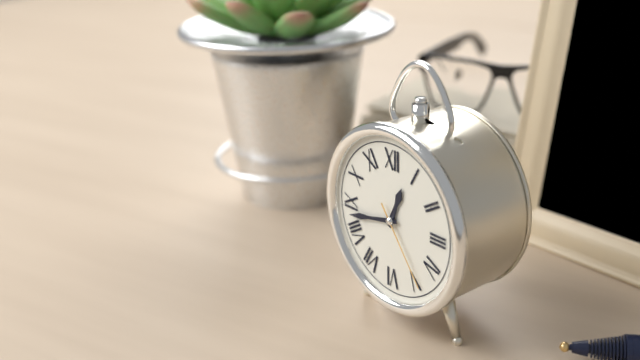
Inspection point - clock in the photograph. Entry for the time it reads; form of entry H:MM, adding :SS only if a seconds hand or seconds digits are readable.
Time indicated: 12:43:24
